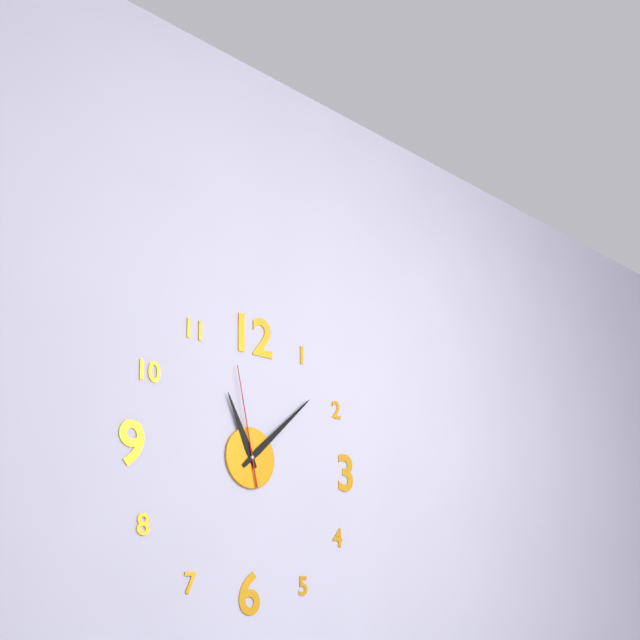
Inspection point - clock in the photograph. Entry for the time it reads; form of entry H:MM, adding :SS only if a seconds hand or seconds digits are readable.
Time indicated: 11:08:58
